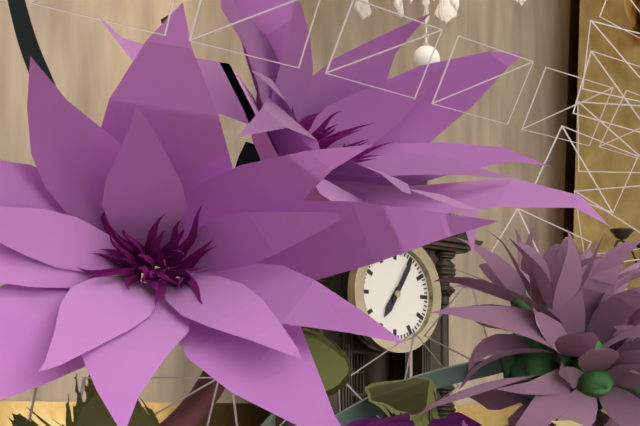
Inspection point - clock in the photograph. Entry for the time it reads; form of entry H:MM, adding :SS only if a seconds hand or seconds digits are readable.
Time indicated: 7:05
